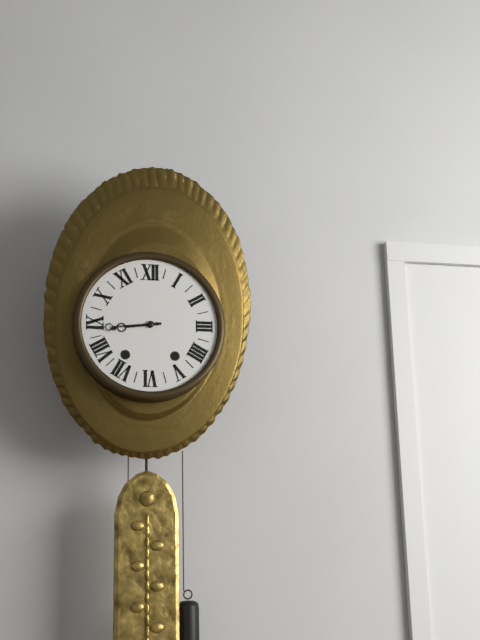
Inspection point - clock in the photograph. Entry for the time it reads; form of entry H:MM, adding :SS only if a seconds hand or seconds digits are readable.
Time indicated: 8:44
